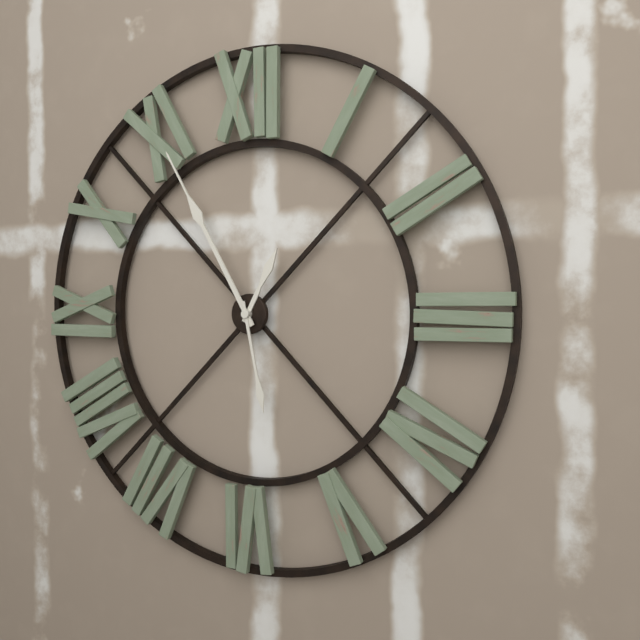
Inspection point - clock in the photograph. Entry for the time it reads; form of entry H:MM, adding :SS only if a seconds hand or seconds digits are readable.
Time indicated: 12:55:28
